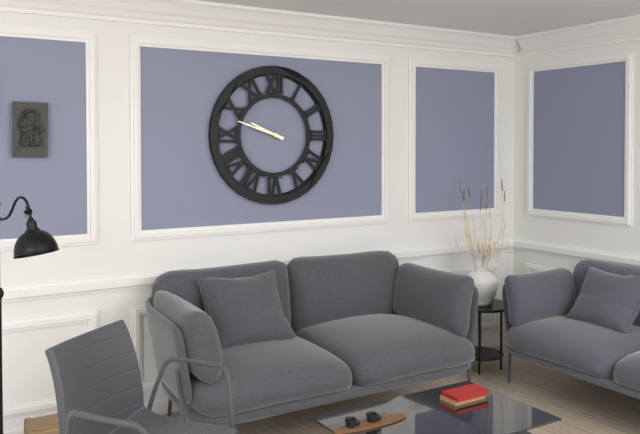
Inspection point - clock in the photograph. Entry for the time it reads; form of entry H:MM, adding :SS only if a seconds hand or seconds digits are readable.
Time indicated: 9:48
